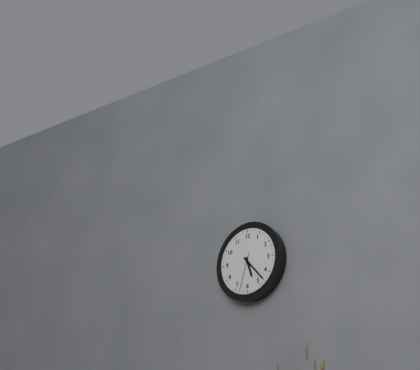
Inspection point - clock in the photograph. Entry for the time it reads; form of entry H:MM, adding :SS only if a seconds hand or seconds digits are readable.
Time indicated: 5:23
